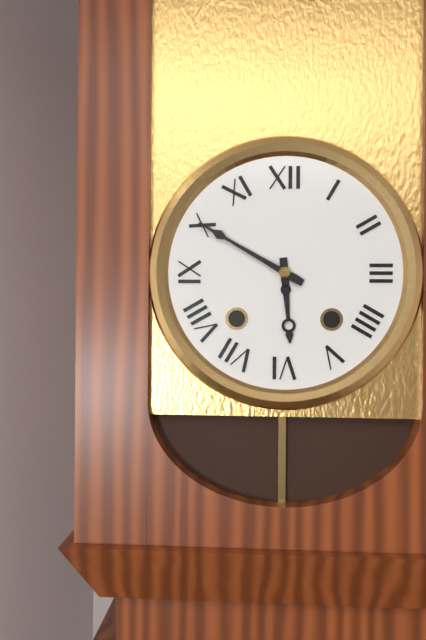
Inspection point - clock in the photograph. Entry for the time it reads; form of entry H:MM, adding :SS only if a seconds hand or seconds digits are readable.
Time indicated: 5:50
